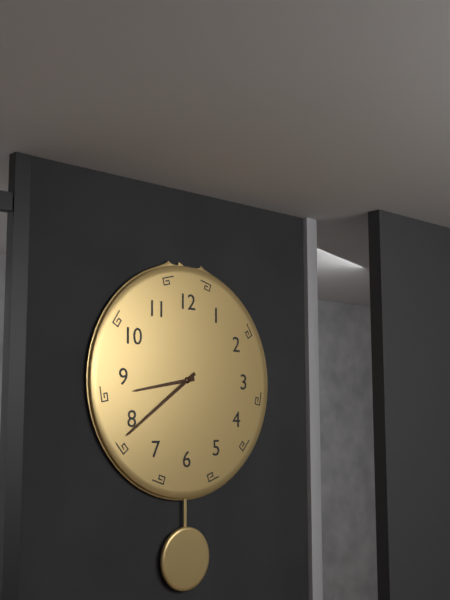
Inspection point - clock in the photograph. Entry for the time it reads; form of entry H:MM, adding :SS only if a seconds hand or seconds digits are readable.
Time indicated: 8:39
